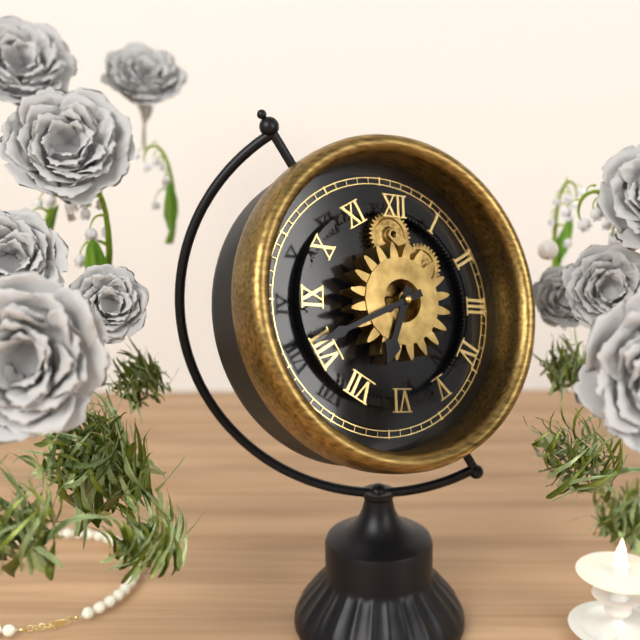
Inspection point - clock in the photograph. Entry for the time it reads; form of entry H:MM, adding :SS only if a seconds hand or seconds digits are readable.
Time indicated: 6:41
